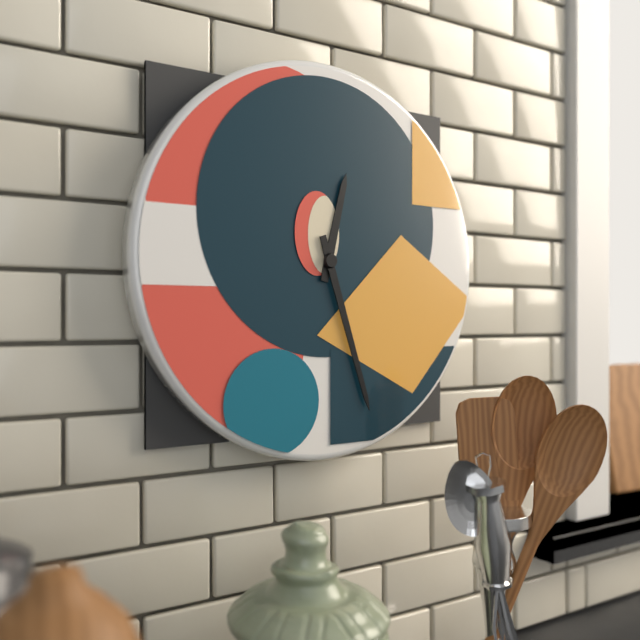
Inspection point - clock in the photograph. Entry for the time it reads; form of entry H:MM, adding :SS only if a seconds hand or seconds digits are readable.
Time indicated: 12:27
